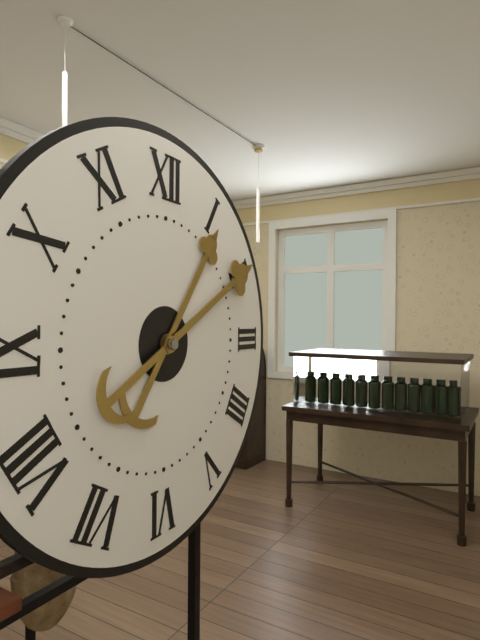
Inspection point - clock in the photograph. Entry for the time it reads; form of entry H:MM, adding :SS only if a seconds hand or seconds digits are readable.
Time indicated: 1:10
